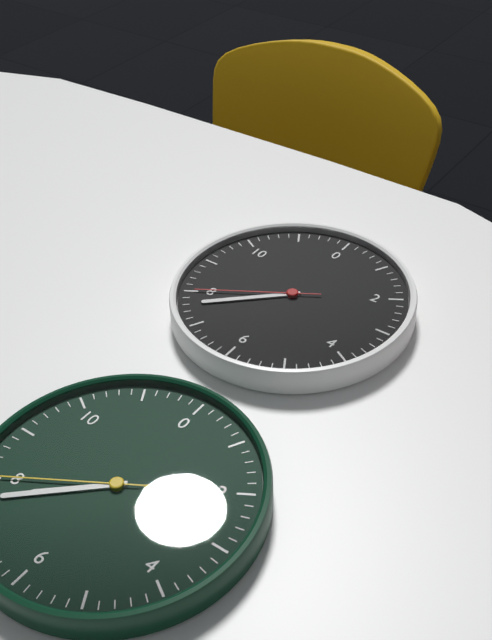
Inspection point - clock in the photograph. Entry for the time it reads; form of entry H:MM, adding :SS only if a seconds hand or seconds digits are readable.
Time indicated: 7:38:40
